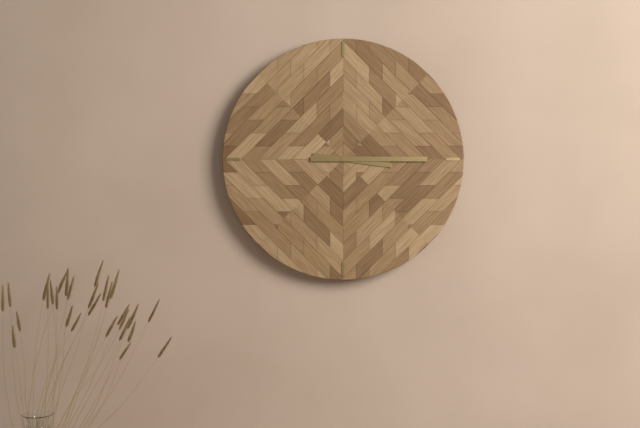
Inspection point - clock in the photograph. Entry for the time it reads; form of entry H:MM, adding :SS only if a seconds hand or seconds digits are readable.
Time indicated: 3:15
